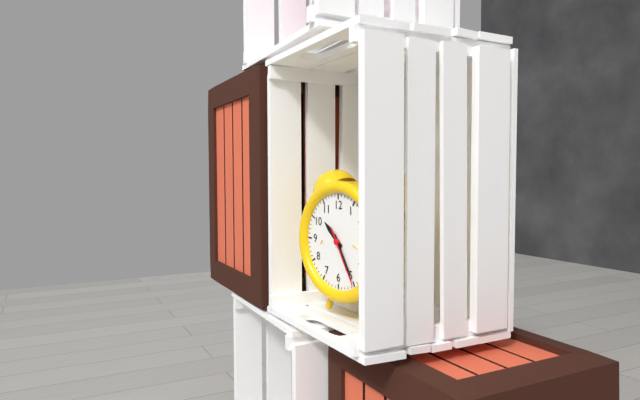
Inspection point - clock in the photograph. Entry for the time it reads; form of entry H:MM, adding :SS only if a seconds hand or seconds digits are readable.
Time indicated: 10:25:25
